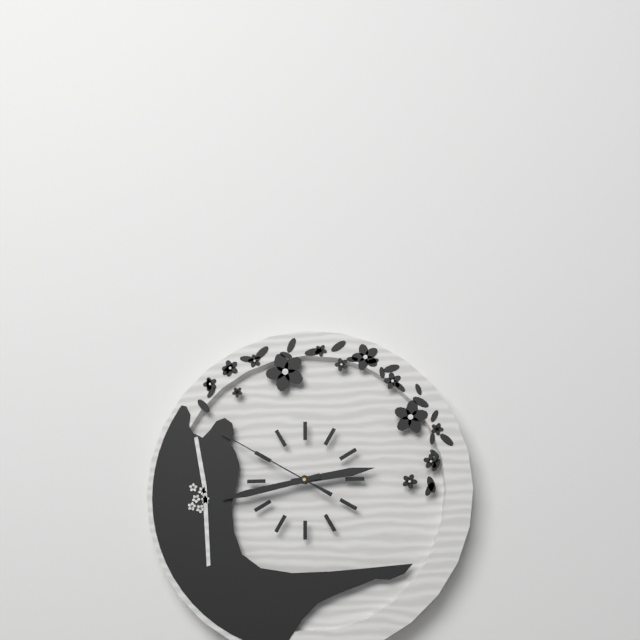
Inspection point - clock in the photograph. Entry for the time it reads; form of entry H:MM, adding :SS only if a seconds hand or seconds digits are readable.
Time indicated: 2:43:50
